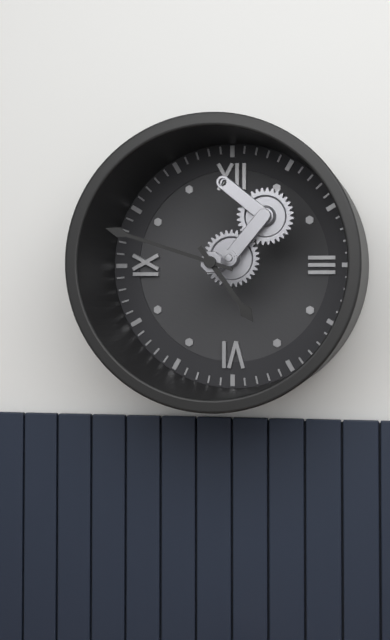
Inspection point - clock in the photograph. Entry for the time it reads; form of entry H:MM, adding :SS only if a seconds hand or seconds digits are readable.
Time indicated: 4:48
